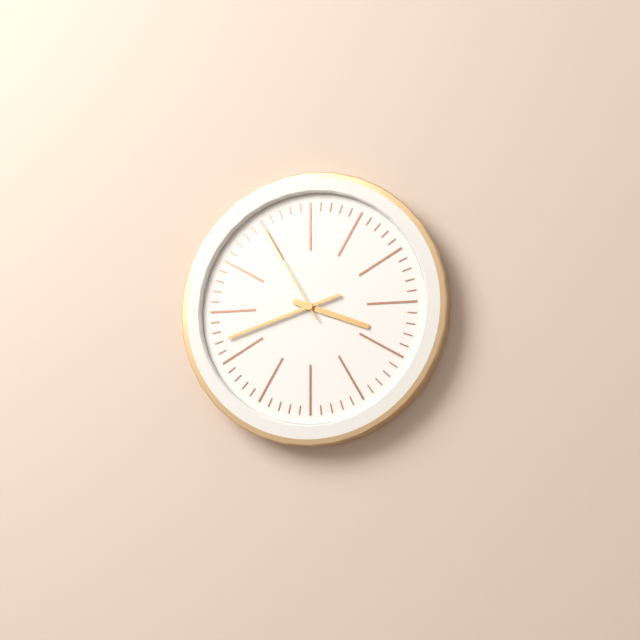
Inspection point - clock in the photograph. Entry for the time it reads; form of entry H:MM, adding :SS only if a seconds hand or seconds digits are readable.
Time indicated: 3:42:55
